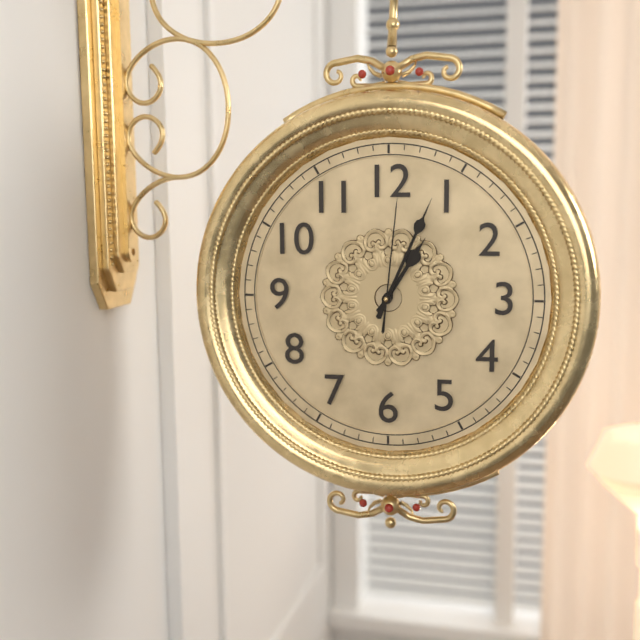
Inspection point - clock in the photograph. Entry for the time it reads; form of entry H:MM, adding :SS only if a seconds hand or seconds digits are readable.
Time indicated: 1:04:01
